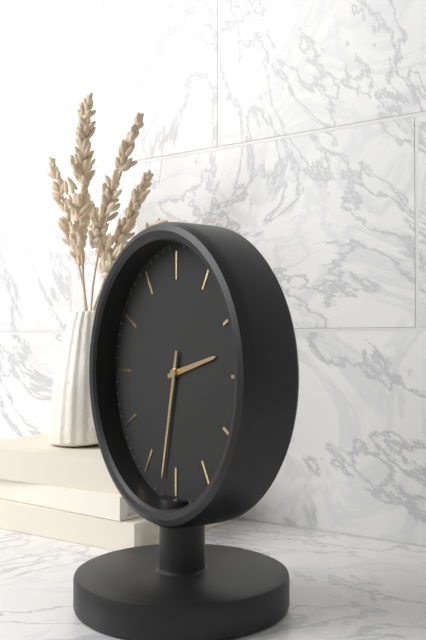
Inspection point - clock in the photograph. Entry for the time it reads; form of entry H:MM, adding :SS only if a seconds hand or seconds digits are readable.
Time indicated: 2:32
